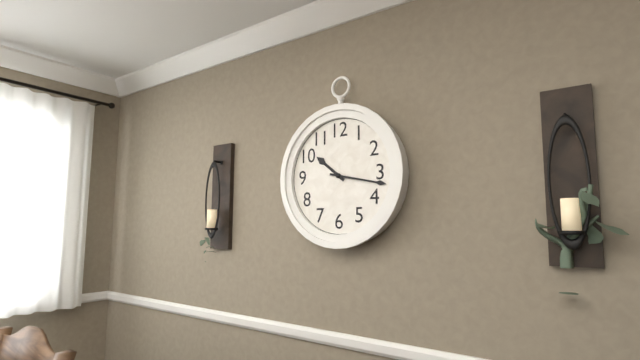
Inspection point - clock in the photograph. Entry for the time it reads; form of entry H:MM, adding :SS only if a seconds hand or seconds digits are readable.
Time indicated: 10:17
